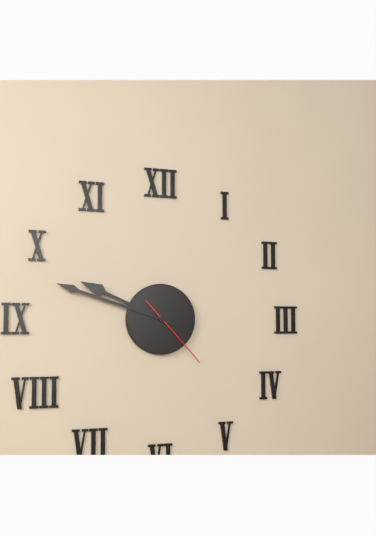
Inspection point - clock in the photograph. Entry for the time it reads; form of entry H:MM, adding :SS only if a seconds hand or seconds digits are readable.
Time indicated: 9:48:23
